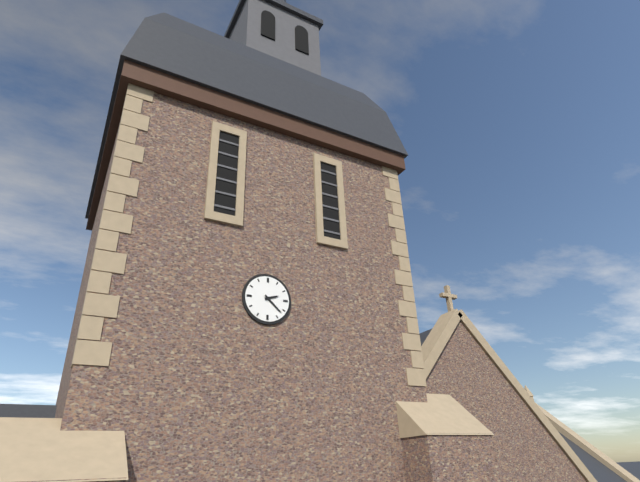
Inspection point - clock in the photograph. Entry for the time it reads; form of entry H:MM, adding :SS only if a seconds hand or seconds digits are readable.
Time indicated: 2:22
